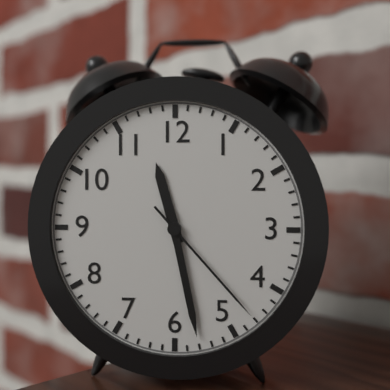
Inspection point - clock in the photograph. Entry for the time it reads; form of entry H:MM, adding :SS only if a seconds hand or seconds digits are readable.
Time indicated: 11:28:23
